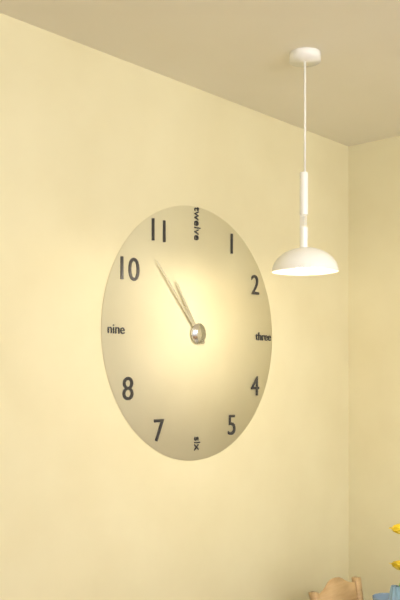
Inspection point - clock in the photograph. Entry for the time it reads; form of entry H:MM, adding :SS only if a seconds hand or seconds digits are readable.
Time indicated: 10:53
